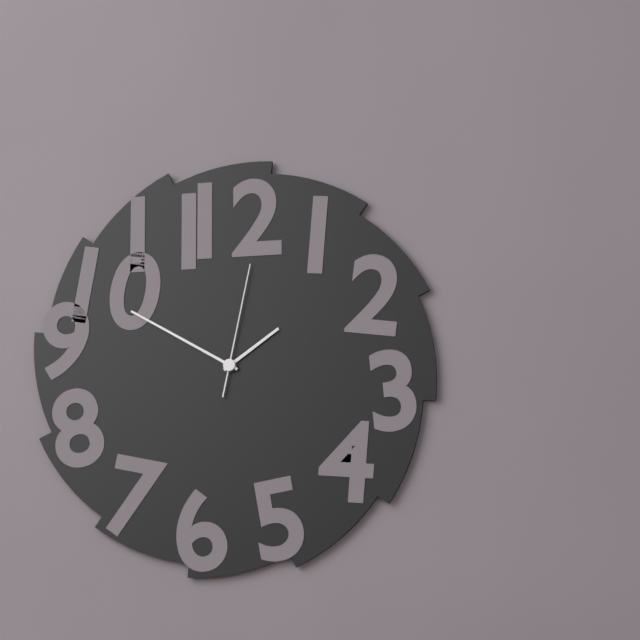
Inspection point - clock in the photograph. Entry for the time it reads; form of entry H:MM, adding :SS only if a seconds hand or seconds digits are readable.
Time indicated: 1:50:02
